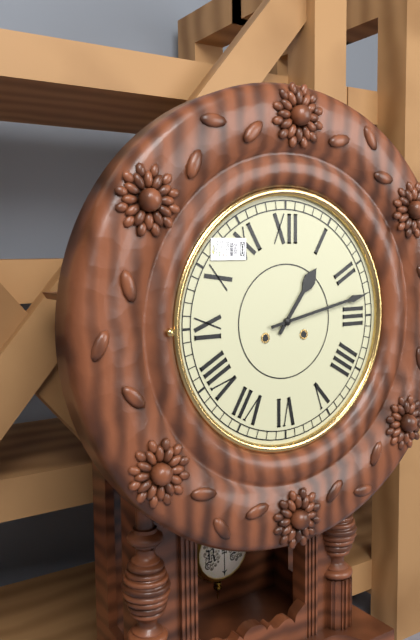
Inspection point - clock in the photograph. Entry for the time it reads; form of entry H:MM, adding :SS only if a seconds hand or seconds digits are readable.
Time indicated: 1:13
